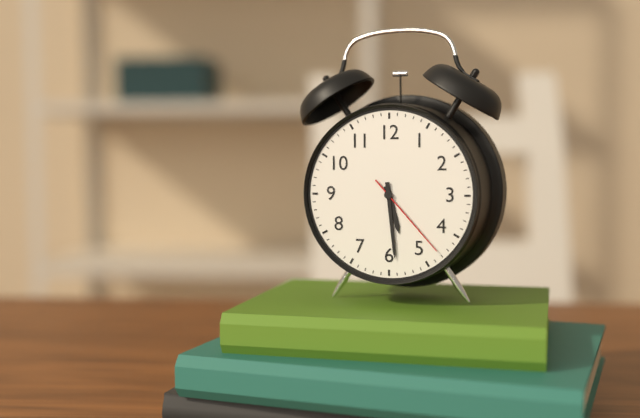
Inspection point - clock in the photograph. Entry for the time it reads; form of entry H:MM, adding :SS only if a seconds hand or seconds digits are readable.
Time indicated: 5:29:23
